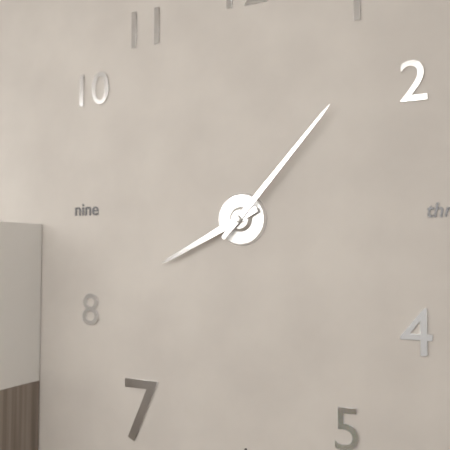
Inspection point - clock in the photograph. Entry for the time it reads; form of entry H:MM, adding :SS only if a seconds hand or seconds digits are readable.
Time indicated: 8:07
